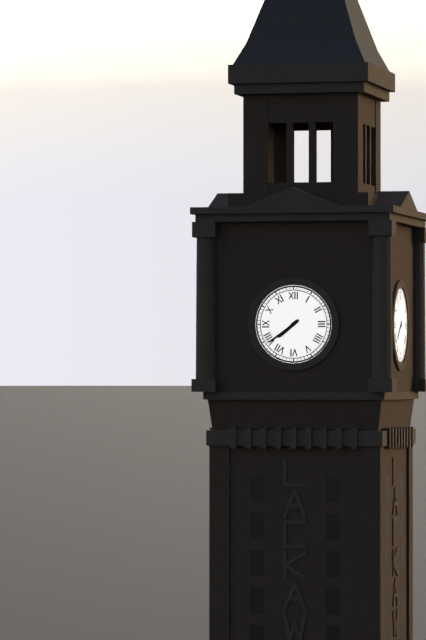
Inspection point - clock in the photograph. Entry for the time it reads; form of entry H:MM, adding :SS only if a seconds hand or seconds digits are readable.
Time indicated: 7:39
